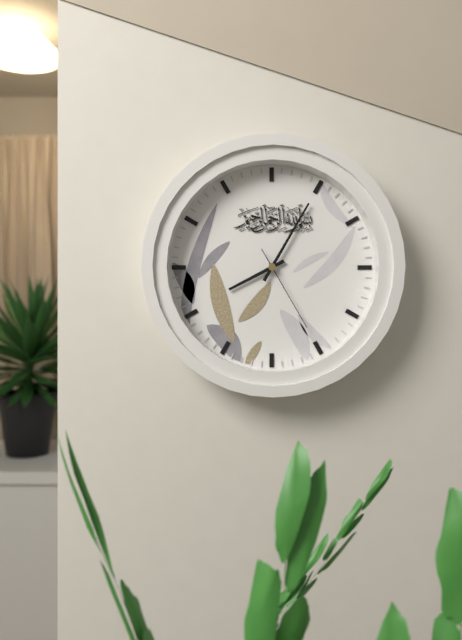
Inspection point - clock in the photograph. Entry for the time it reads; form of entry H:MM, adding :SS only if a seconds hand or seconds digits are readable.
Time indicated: 8:05:25
